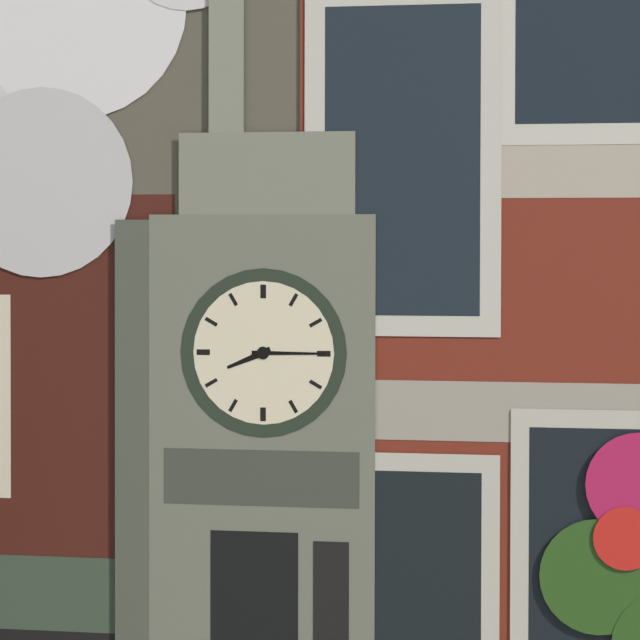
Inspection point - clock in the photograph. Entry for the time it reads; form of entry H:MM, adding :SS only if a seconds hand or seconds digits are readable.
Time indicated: 8:15
